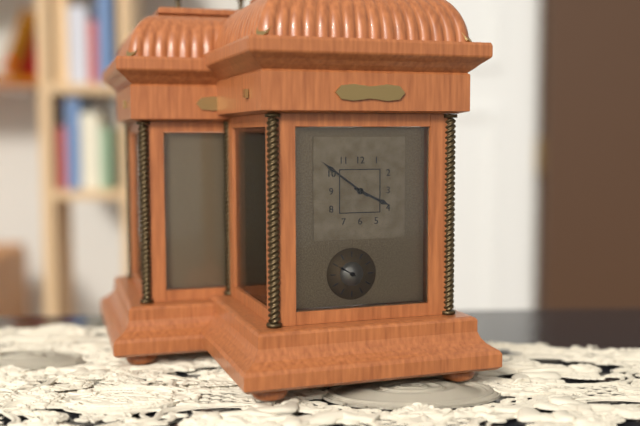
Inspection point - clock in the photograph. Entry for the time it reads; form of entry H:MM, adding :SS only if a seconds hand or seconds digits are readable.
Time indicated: 3:51
